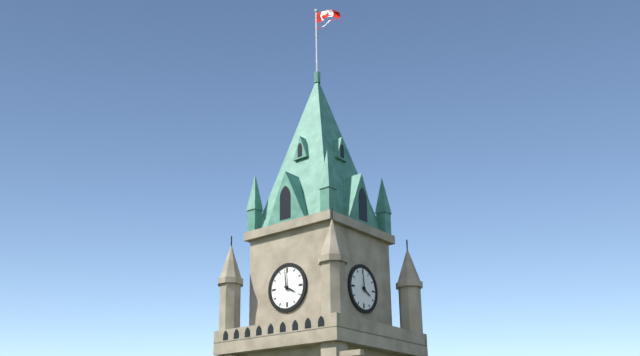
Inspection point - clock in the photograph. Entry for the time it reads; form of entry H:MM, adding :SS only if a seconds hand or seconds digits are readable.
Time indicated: 3:59
